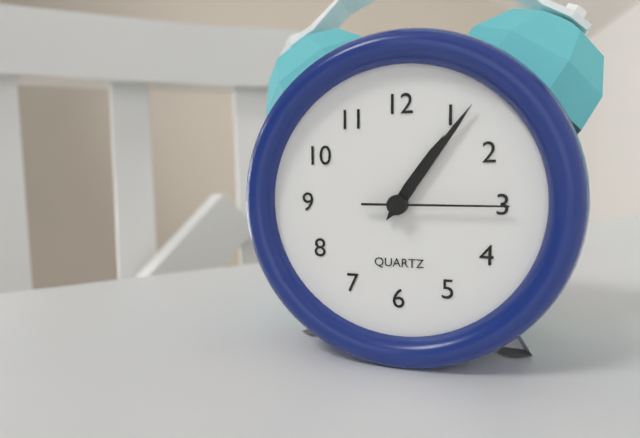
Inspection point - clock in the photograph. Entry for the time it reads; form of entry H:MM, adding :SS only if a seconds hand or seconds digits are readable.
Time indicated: 1:06:15
